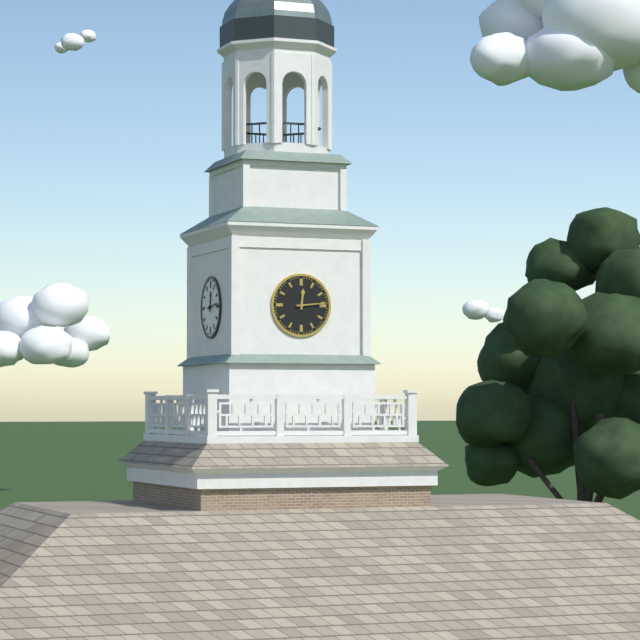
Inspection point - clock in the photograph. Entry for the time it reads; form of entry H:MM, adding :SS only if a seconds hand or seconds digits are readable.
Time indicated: 12:14
